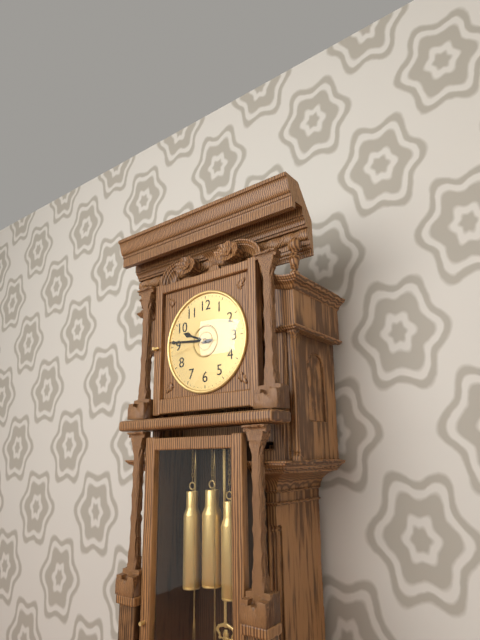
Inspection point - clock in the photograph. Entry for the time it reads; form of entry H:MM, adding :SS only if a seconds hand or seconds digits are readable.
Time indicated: 9:46
